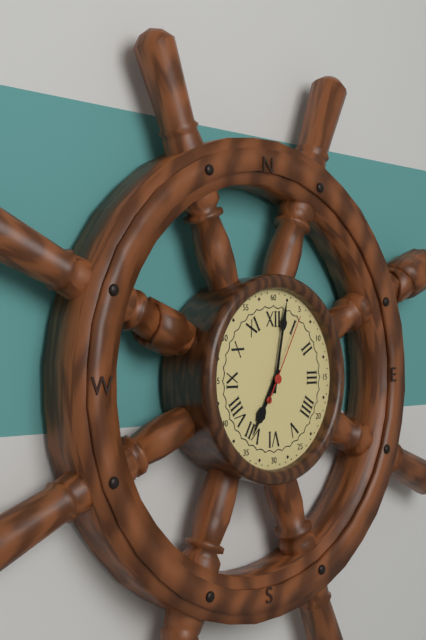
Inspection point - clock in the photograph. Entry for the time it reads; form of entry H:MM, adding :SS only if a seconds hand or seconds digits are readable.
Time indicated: 7:02:05
